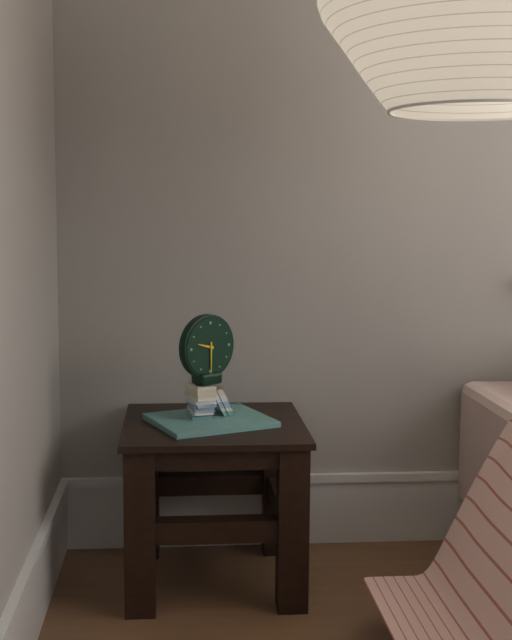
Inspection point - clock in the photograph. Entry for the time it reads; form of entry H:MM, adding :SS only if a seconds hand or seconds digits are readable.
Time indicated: 9:30
